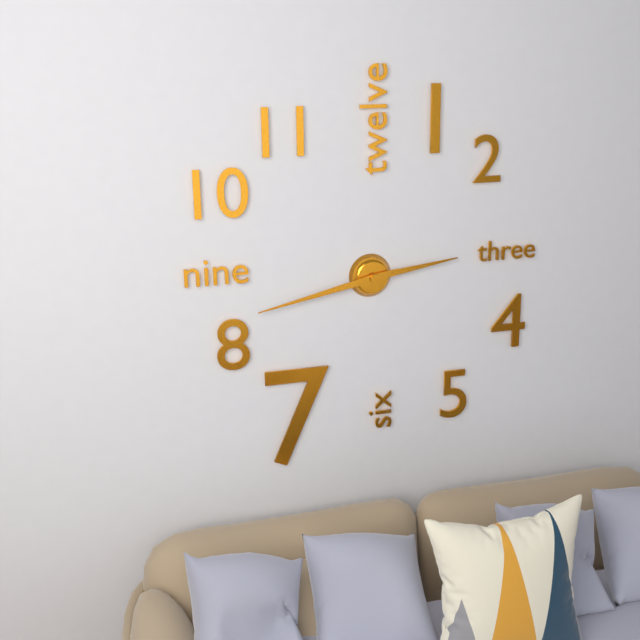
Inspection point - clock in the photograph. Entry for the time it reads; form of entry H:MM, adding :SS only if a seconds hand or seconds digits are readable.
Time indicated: 2:43
